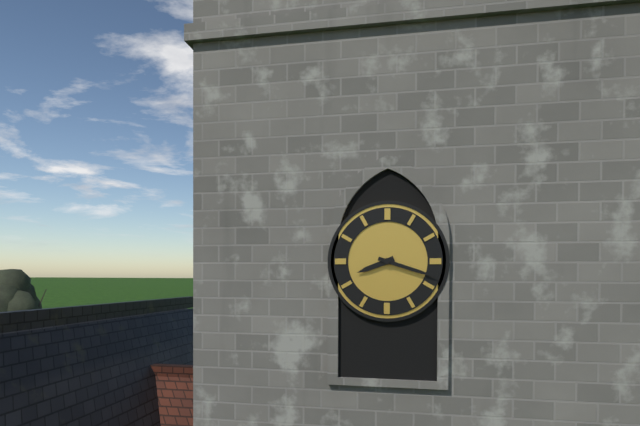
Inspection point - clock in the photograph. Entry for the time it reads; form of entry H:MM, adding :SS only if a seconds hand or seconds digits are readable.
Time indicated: 8:18
